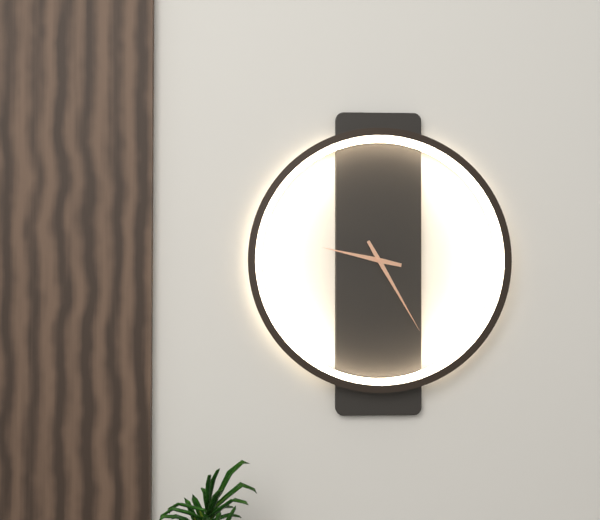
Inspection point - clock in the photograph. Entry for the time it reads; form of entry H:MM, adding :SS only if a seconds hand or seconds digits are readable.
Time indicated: 9:25
